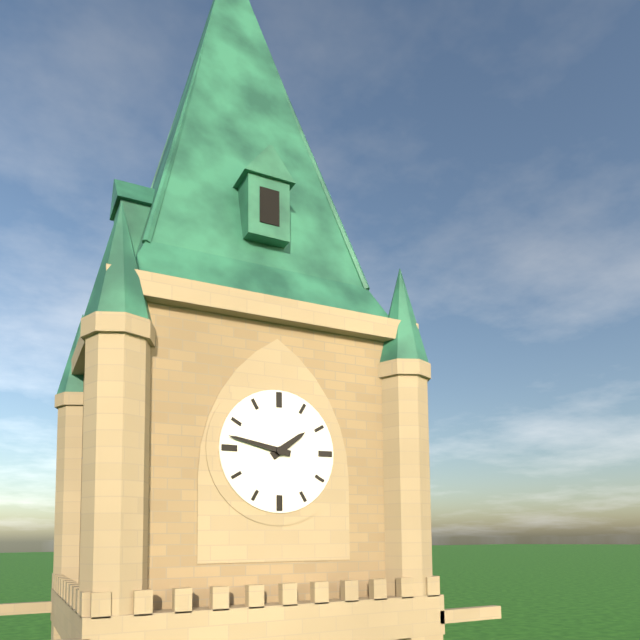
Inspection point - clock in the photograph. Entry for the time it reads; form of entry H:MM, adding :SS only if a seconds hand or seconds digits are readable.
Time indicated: 1:47
